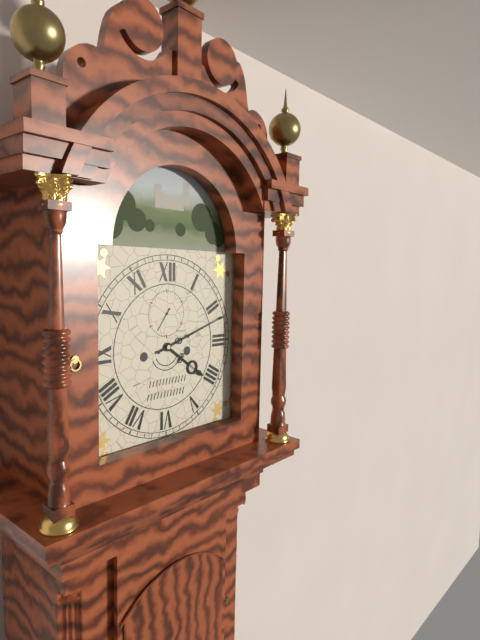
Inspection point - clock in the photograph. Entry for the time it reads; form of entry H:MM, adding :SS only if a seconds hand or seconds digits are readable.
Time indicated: 4:12
